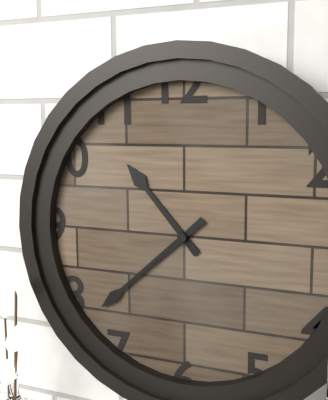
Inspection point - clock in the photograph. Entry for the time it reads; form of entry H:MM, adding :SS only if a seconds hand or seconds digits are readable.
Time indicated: 10:38
